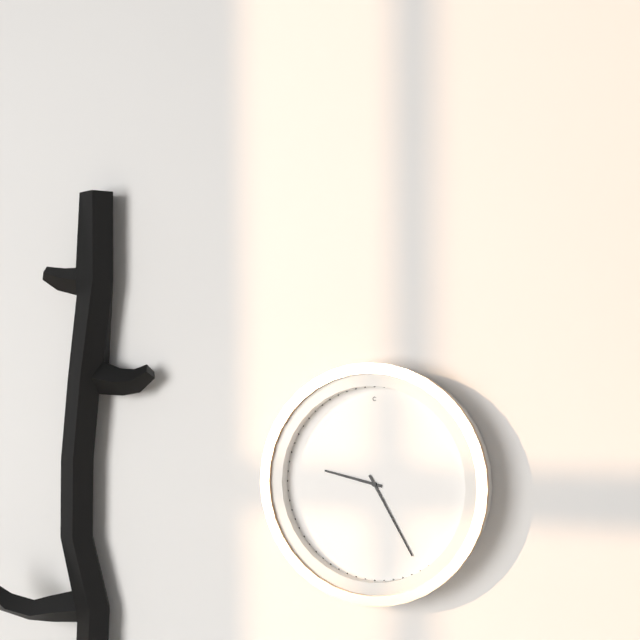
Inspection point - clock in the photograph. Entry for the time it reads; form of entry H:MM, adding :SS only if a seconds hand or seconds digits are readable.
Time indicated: 9:25
